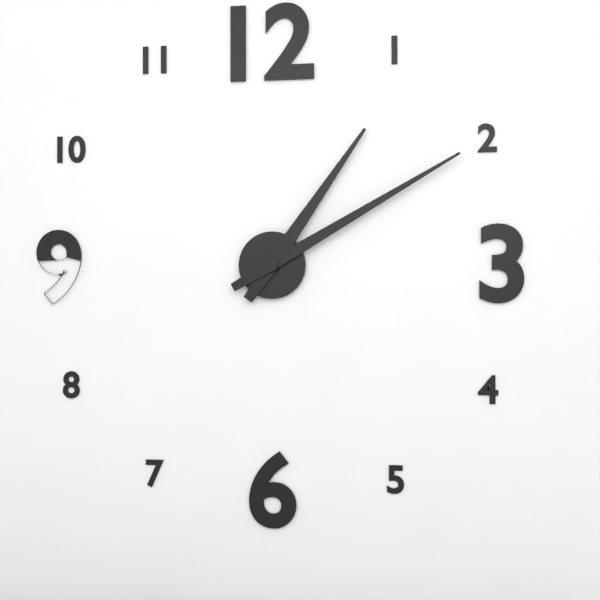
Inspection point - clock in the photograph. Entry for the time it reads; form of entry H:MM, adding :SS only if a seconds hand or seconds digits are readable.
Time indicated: 1:10
